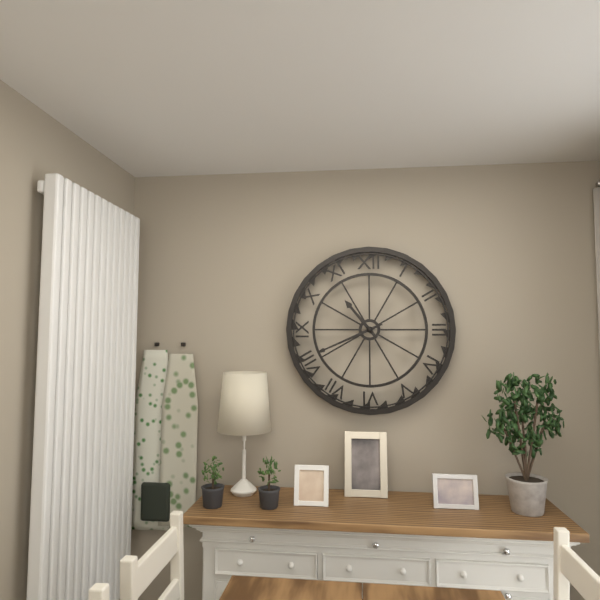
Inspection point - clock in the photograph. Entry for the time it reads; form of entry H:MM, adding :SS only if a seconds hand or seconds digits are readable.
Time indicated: 10:41
